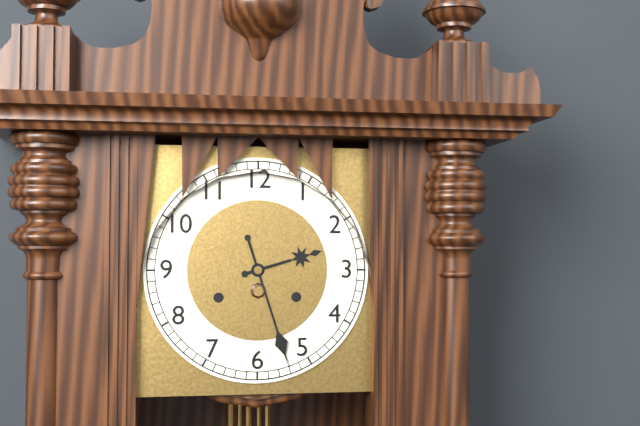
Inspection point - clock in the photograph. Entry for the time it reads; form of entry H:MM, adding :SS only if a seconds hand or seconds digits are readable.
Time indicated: 2:27
